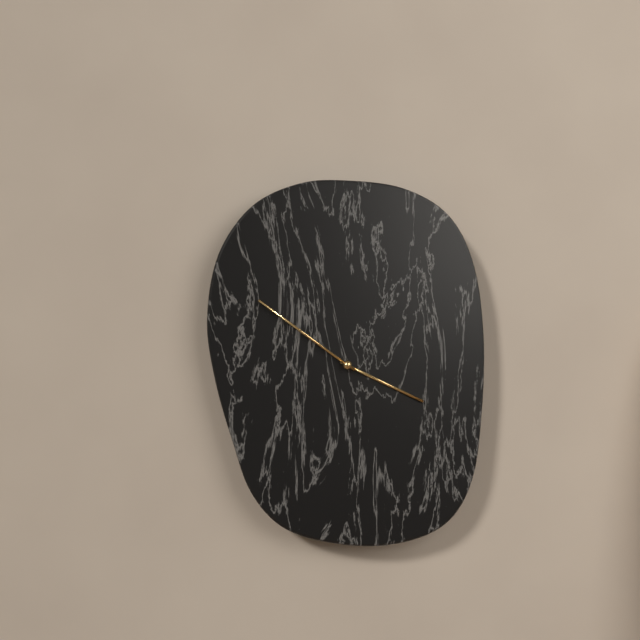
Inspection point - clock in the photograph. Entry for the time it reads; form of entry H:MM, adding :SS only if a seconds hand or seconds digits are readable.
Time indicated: 3:51
